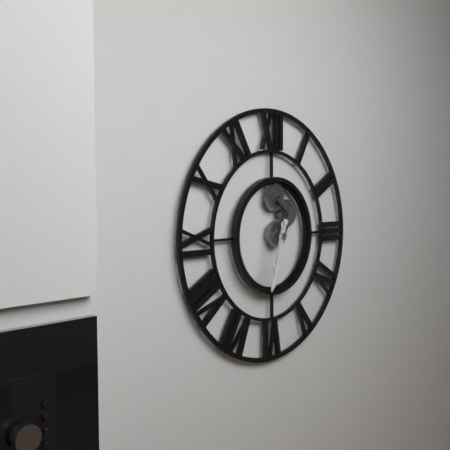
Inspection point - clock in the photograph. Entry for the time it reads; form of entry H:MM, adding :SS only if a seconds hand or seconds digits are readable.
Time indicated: 6:33
